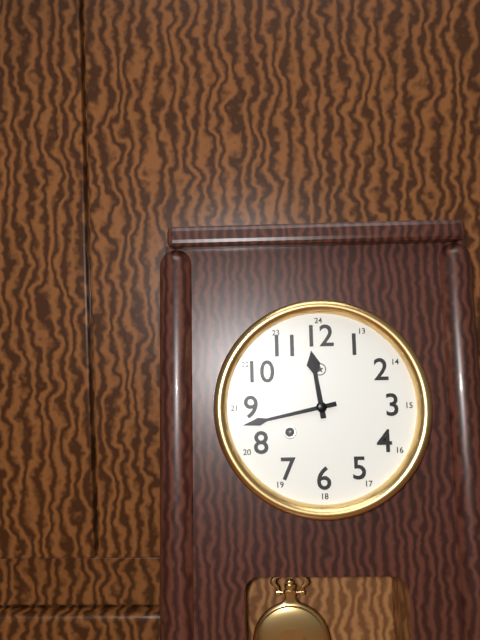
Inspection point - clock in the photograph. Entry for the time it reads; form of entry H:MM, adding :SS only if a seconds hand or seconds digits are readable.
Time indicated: 11:43
